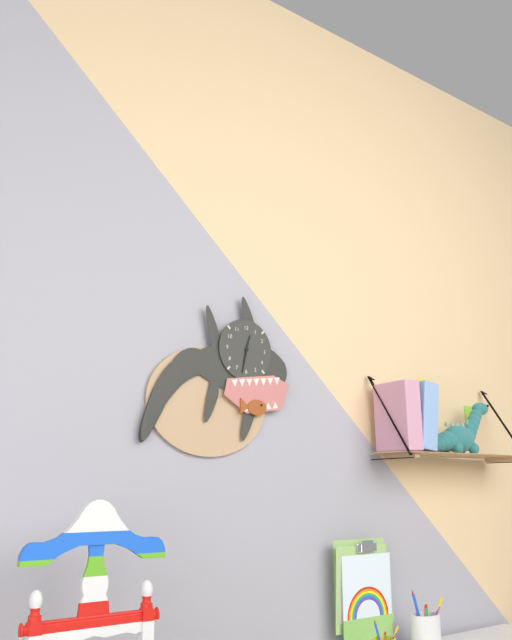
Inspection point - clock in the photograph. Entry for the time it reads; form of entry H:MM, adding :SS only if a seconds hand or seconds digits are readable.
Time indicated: 12:32
